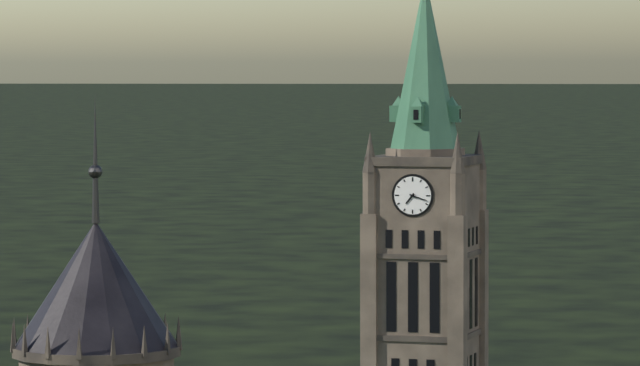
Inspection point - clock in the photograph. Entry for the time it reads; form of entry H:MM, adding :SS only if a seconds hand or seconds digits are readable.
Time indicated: 7:18
